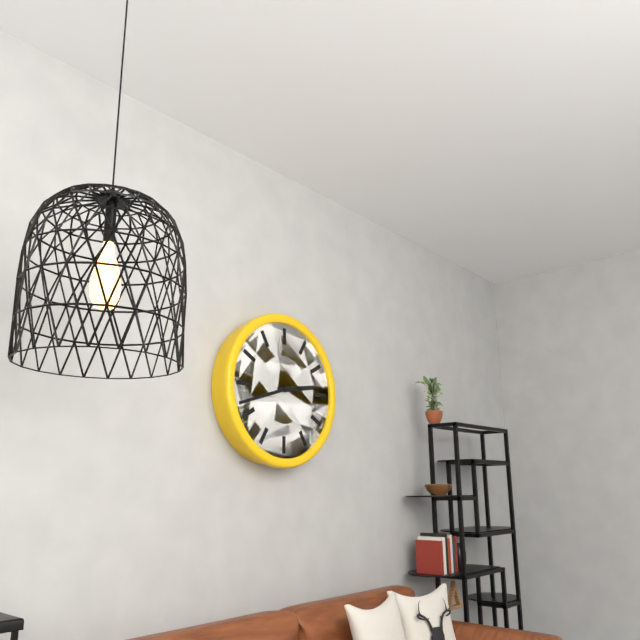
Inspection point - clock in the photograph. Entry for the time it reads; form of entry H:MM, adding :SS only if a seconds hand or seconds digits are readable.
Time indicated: 2:42
